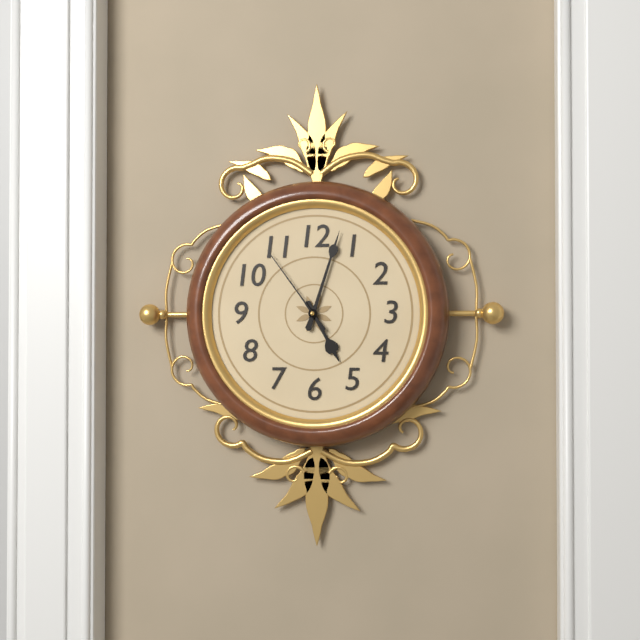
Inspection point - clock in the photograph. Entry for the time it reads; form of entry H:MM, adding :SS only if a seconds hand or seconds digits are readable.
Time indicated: 5:03:54
